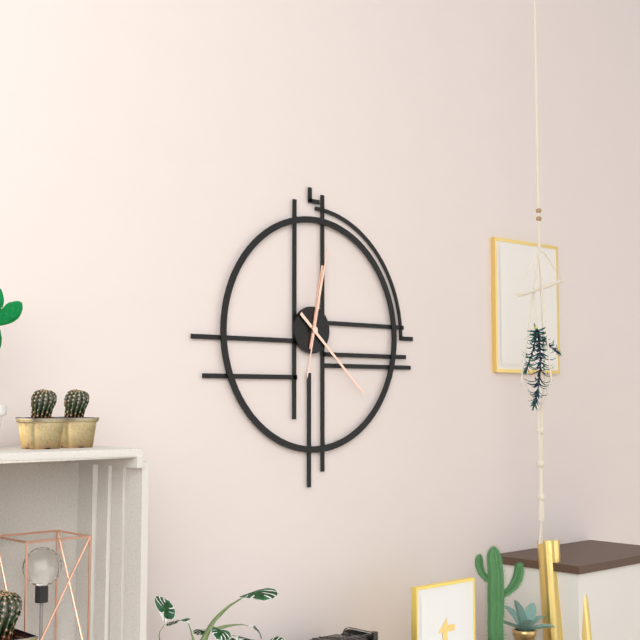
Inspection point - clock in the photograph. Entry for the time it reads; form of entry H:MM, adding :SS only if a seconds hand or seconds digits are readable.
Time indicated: 12:22:02
